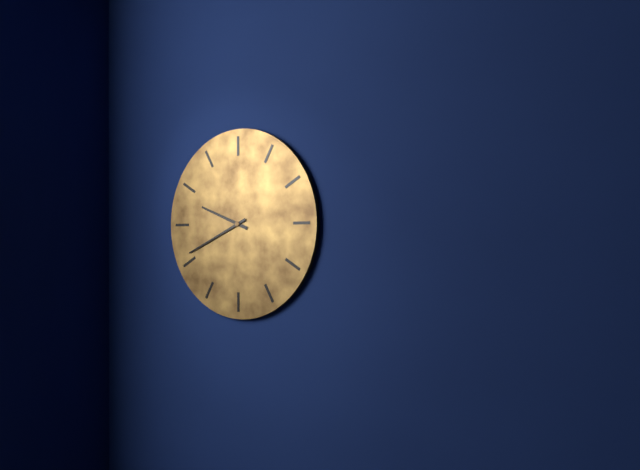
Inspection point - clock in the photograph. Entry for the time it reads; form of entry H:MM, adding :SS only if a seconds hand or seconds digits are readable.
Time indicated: 9:41
